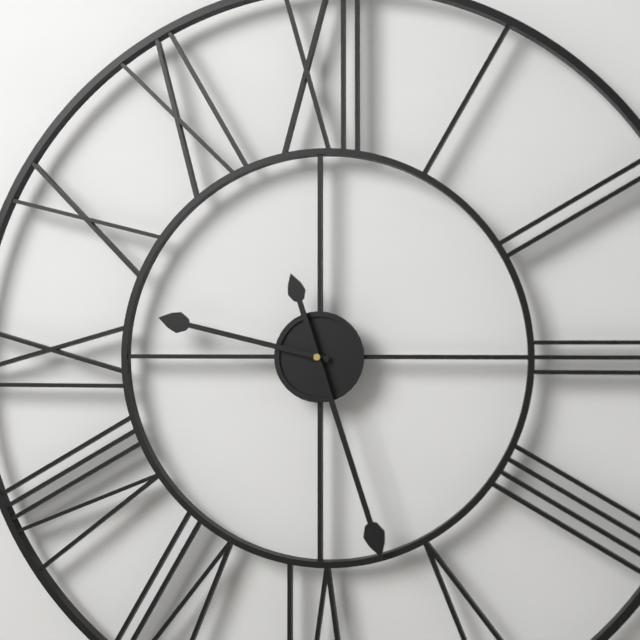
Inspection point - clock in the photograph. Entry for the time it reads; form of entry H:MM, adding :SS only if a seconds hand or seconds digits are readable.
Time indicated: 9:27
